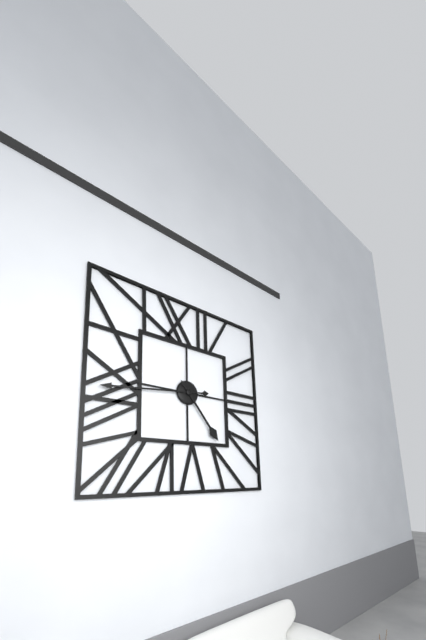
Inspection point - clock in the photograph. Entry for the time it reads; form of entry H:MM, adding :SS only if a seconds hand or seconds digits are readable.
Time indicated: 4:44
